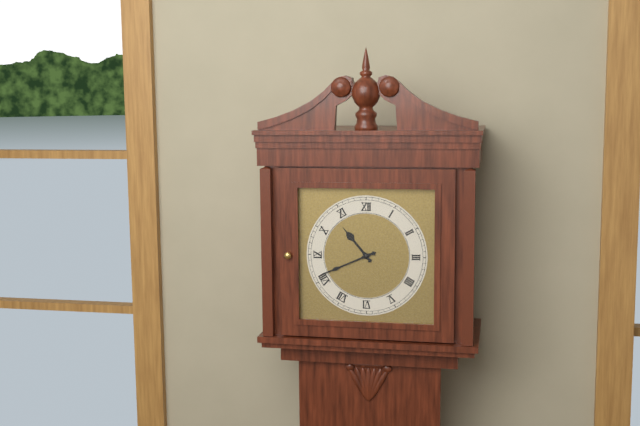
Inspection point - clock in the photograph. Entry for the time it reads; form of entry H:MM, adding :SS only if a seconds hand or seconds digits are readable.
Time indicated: 10:41
